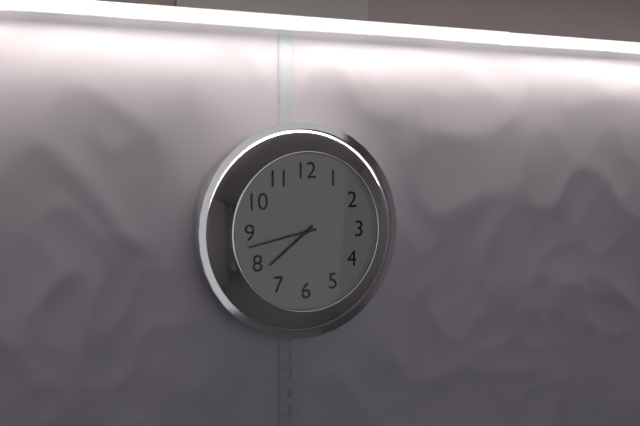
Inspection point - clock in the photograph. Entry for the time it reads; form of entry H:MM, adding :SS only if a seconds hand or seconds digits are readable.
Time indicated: 7:43
